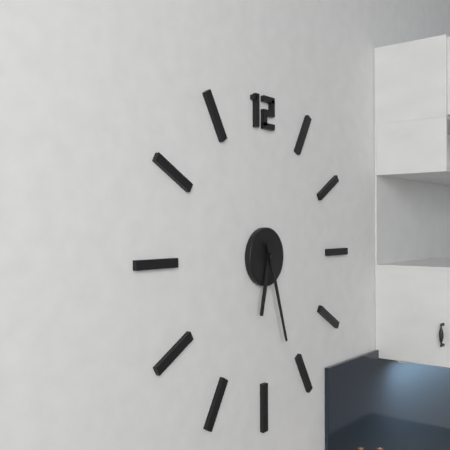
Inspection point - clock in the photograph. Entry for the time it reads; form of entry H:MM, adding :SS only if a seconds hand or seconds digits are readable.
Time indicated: 6:27
